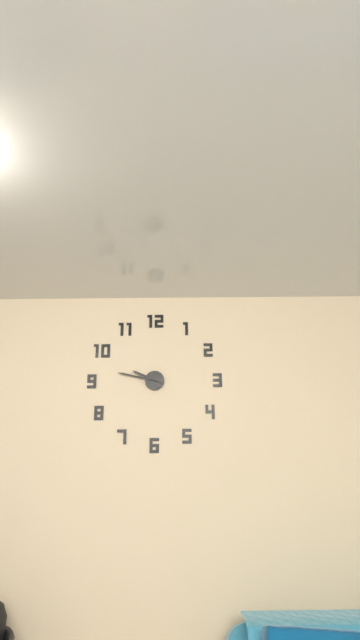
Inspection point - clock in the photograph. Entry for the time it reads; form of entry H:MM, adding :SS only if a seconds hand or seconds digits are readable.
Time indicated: 9:47
